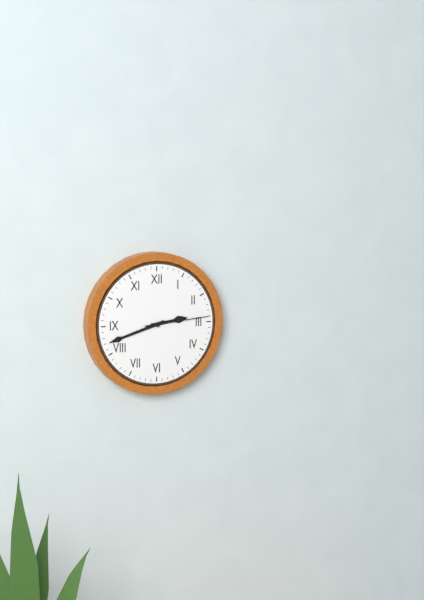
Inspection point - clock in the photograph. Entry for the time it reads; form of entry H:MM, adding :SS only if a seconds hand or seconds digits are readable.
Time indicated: 2:42:14
